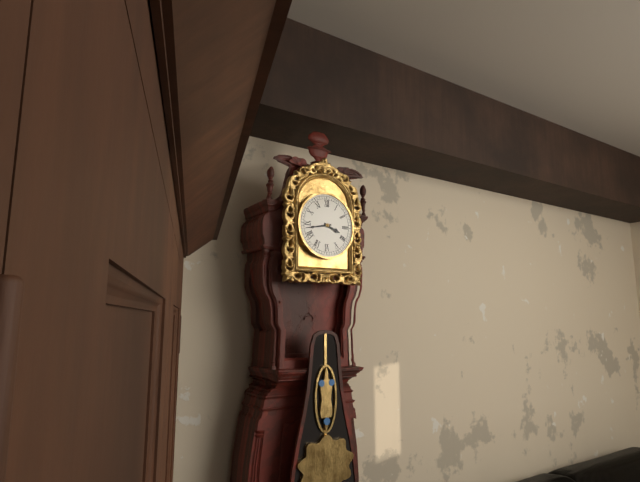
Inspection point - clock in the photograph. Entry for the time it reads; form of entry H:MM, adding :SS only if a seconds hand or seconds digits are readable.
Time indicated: 3:43
